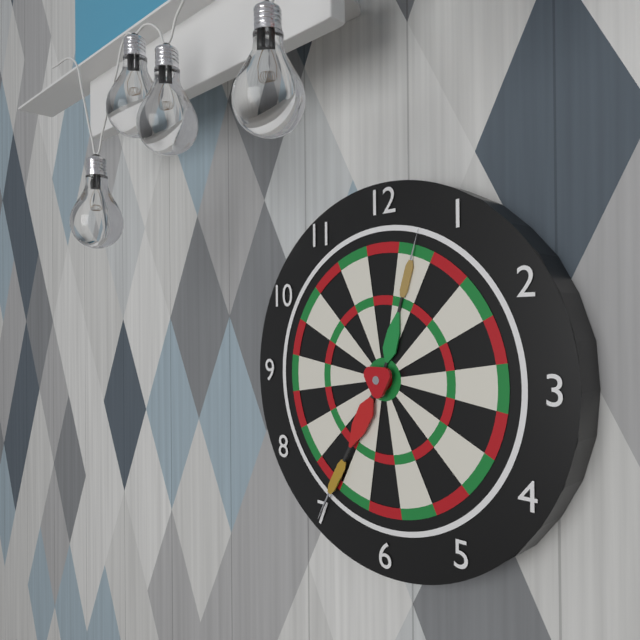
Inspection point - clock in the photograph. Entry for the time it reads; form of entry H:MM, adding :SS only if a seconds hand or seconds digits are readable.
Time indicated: 12:35
